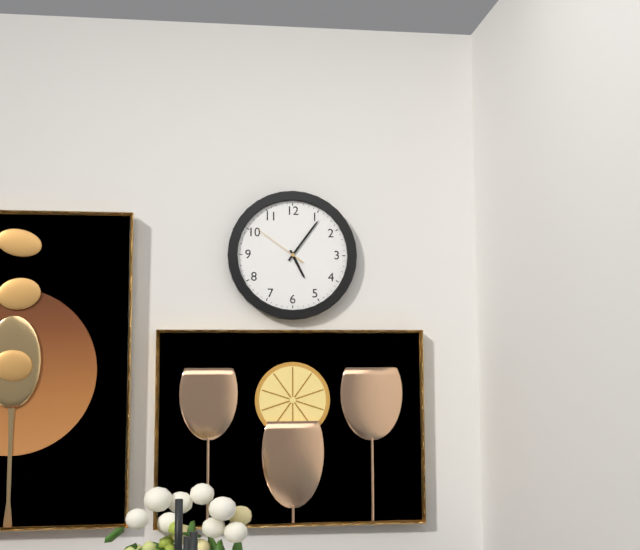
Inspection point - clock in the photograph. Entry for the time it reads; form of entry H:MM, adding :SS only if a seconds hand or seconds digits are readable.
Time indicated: 5:06:51
